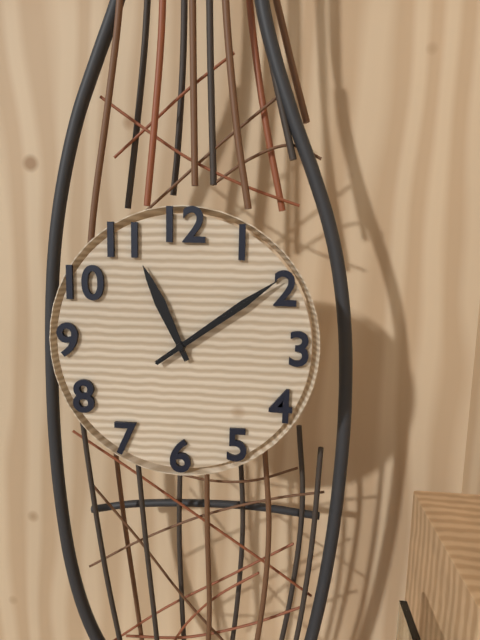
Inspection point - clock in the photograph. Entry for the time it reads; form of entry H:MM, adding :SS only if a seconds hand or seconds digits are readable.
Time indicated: 11:09:09
